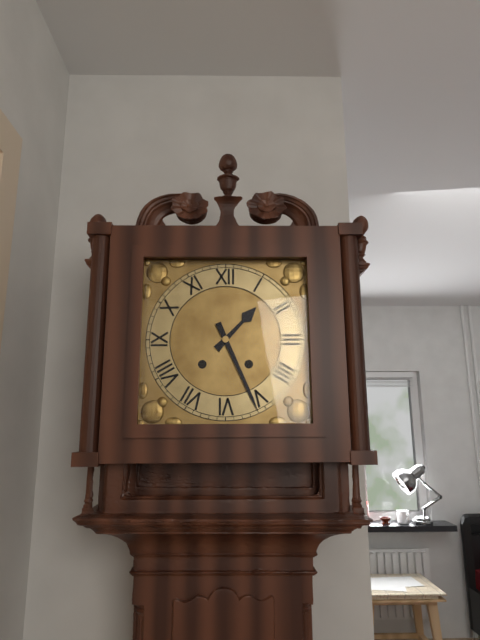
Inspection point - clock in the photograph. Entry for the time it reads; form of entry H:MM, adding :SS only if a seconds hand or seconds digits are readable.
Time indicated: 1:26
